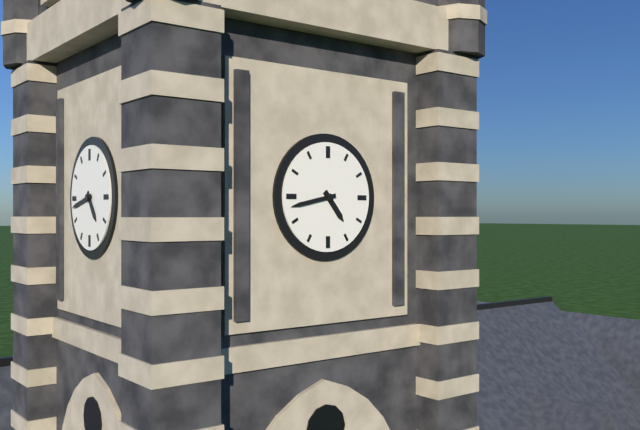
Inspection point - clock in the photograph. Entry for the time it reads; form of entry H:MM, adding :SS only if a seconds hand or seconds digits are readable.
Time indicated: 4:43
